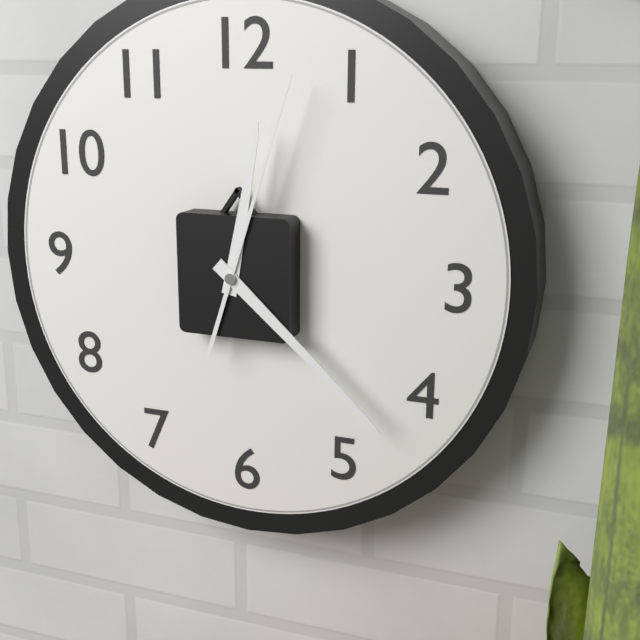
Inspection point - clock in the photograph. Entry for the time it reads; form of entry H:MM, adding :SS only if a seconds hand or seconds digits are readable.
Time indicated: 12:22:03
